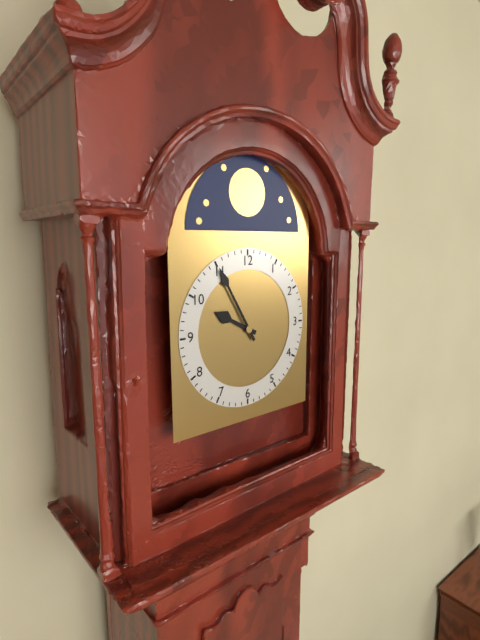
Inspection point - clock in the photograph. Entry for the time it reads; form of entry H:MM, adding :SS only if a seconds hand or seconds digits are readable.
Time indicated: 9:55
